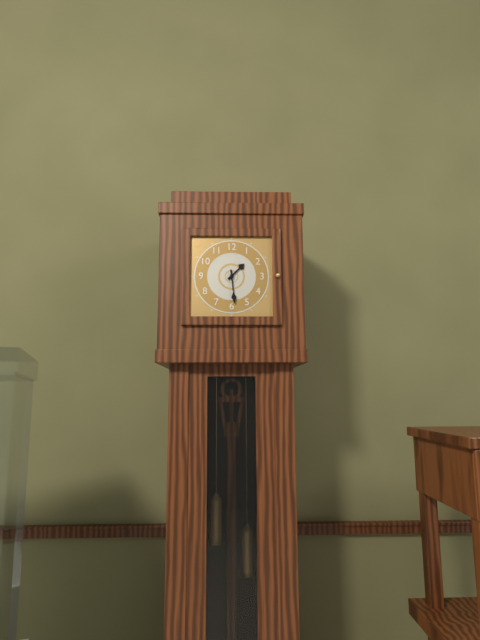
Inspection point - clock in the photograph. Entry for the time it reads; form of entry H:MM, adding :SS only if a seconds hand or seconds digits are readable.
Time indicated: 1:29
